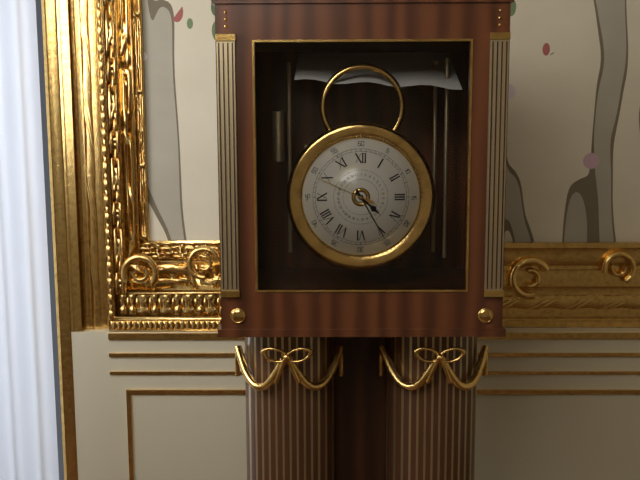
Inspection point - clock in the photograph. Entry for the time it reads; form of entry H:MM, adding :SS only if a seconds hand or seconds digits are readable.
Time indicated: 4:25:49
